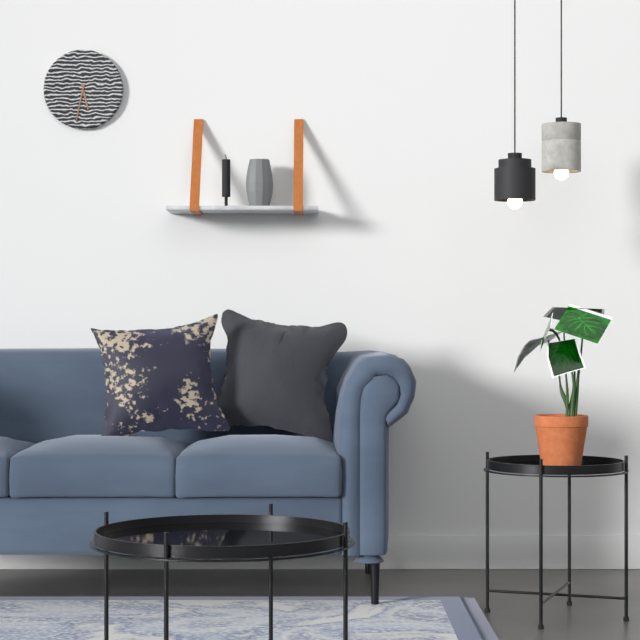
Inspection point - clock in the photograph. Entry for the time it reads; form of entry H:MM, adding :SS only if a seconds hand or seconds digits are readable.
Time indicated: 5:32
